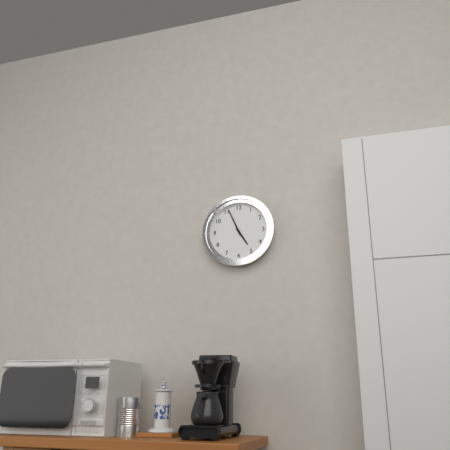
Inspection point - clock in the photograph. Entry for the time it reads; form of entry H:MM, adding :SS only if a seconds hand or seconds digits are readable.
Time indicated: 4:56
